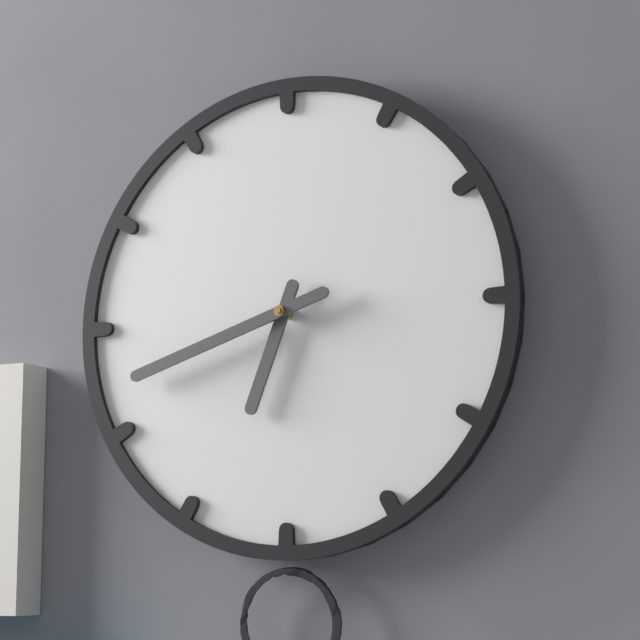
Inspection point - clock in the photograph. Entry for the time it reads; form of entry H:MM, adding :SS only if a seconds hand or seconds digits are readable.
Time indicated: 6:42
